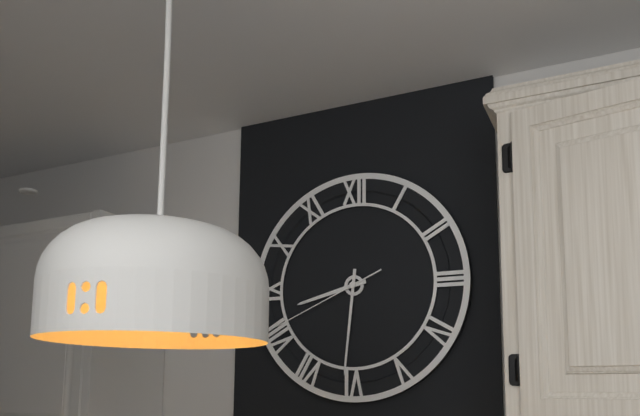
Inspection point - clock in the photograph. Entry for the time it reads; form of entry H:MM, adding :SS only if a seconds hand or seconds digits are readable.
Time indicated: 8:31:41
